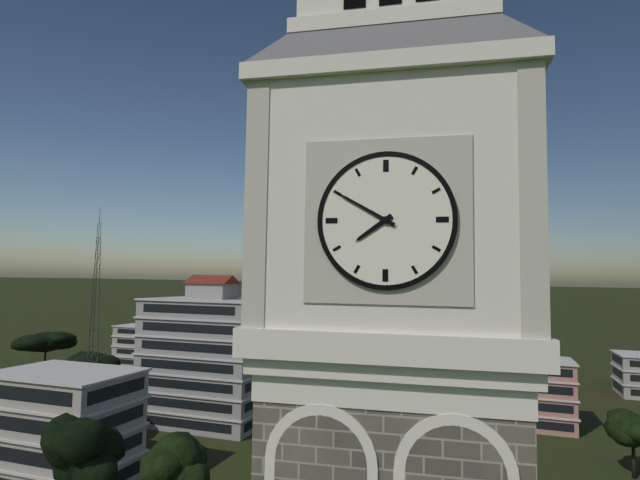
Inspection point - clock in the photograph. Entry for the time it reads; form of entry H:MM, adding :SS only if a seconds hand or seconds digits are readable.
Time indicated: 7:50
